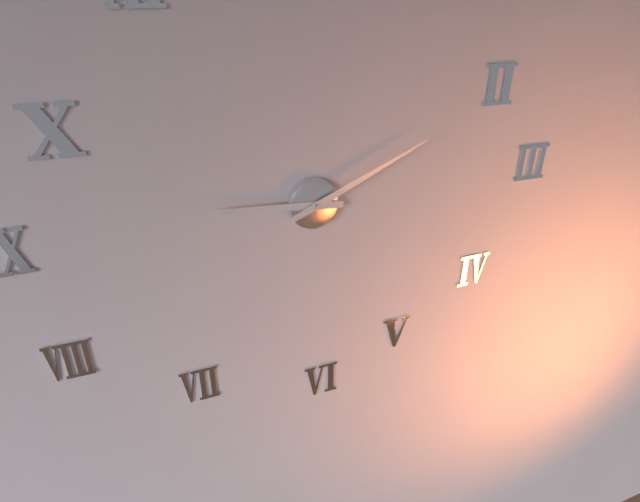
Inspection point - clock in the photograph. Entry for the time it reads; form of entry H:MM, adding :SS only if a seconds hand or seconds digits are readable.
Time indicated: 9:11
